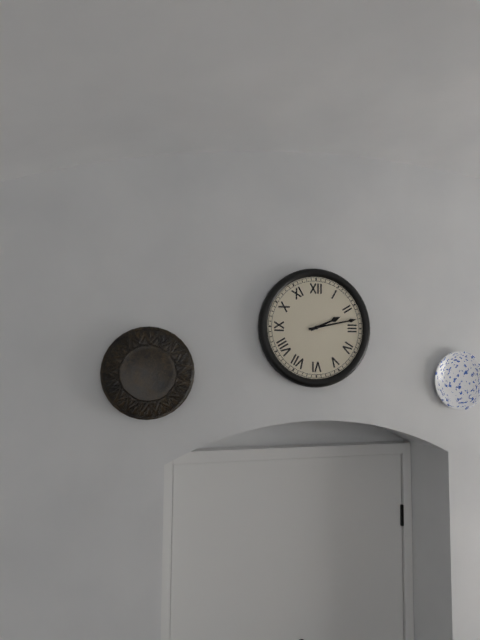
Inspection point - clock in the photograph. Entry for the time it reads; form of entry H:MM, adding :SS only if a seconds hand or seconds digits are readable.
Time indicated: 2:13
